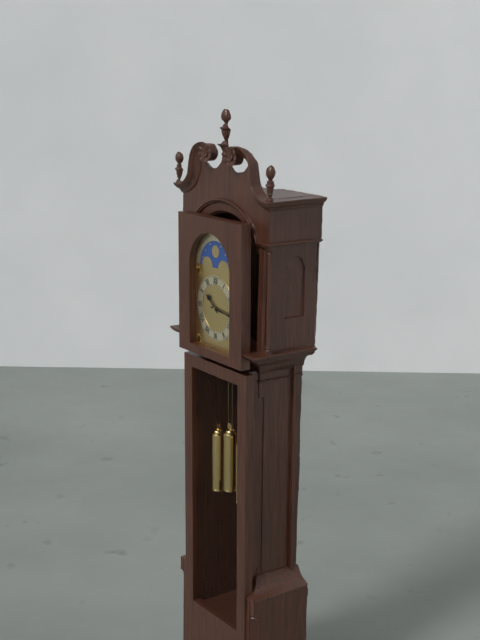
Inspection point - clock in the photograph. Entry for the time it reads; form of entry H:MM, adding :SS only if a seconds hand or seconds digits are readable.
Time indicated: 10:16
